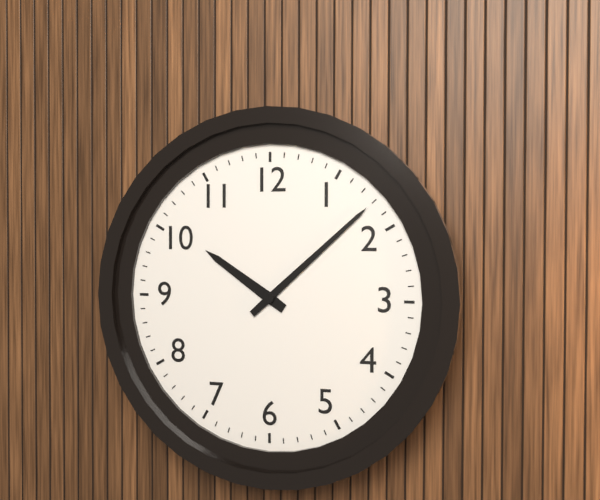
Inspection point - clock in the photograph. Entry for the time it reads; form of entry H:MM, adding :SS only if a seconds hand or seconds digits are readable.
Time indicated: 10:08
